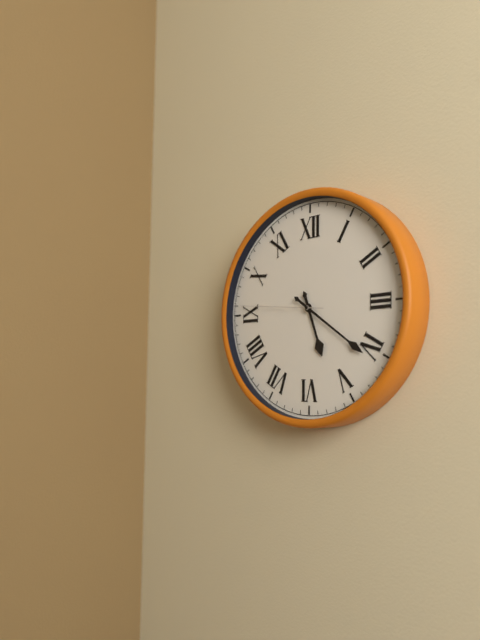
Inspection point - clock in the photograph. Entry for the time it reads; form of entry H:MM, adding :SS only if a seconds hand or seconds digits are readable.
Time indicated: 5:21:46
